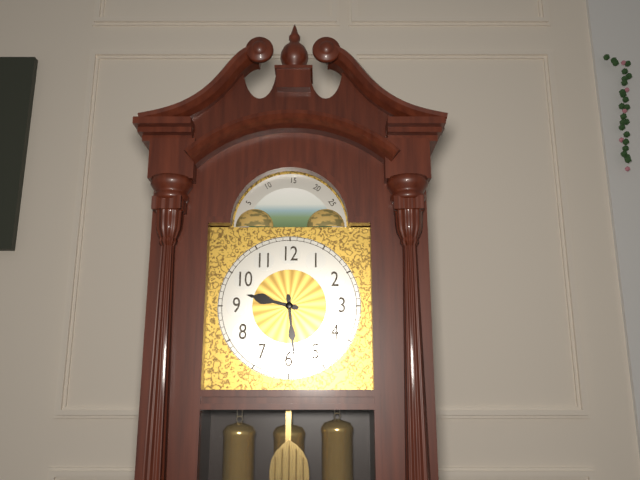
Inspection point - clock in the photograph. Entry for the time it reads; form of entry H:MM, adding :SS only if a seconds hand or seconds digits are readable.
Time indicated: 9:29
